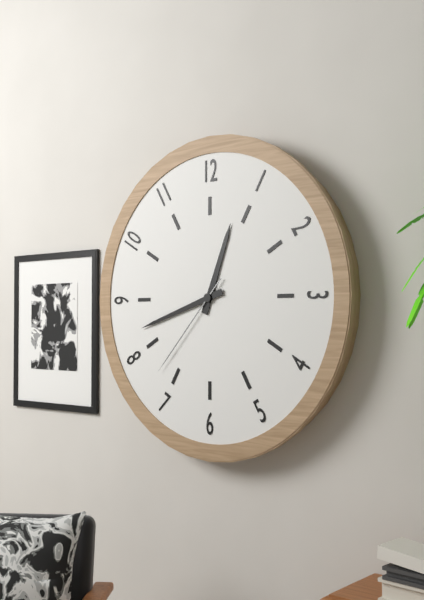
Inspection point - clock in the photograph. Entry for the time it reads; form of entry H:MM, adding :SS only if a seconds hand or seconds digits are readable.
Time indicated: 12:42:37
